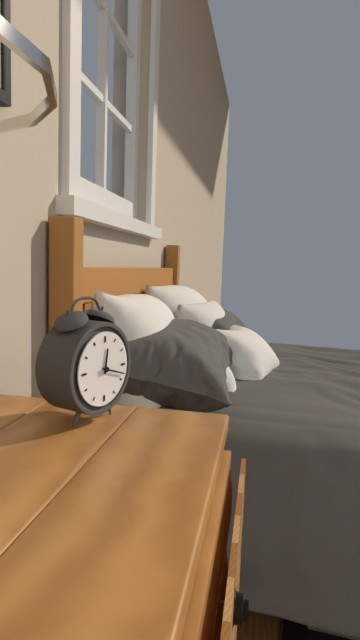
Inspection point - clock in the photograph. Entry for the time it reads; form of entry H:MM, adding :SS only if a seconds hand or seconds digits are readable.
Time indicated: 12:18
